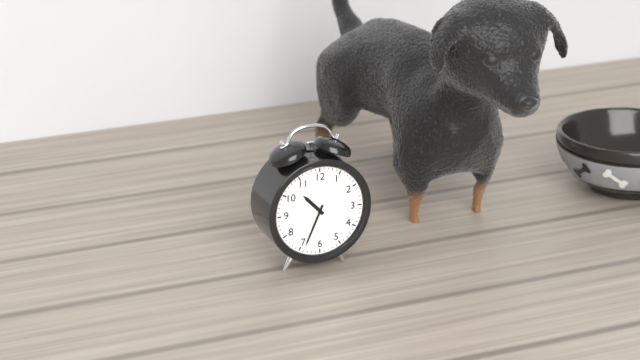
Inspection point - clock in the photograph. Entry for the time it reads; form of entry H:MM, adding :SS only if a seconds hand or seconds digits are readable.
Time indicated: 10:34
